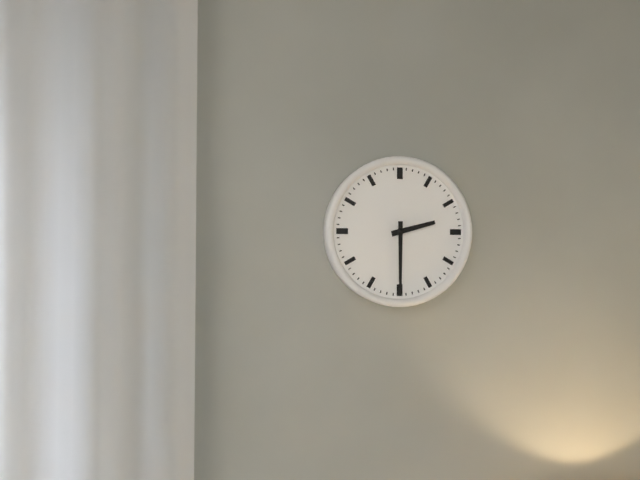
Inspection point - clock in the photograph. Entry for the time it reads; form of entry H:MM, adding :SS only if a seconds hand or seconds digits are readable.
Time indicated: 2:30
